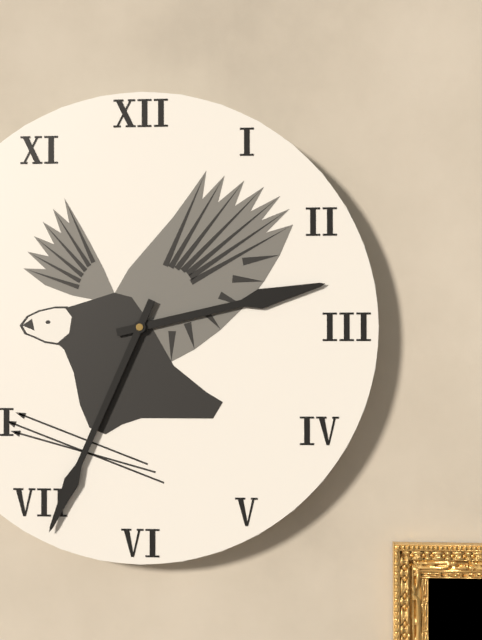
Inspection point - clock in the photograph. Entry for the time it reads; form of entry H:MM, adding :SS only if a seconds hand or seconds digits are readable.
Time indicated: 2:34
